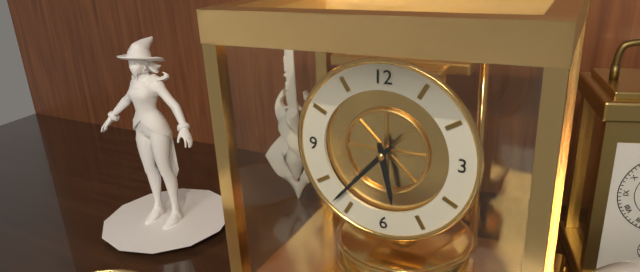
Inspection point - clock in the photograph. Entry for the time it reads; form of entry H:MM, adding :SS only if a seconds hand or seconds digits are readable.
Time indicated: 5:37
